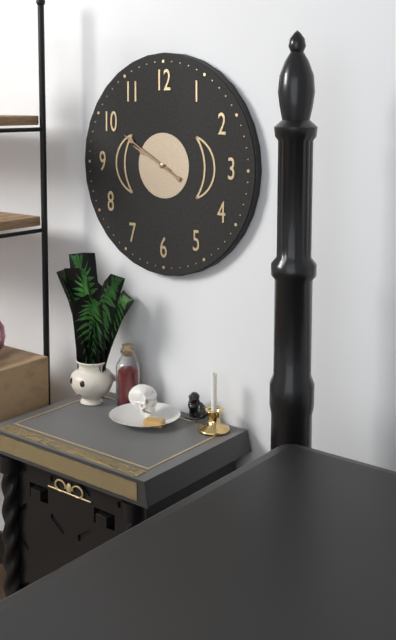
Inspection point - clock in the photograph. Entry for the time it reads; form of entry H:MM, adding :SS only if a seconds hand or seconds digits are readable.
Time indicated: 9:50
